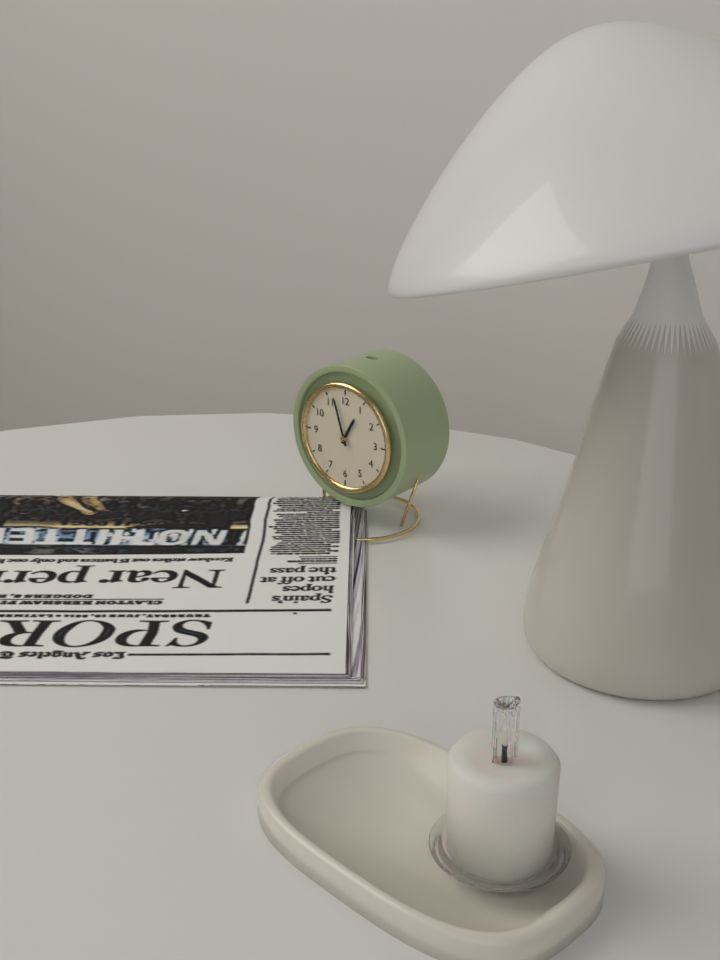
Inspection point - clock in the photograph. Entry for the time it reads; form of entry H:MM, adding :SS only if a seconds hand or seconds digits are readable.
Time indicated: 12:57
